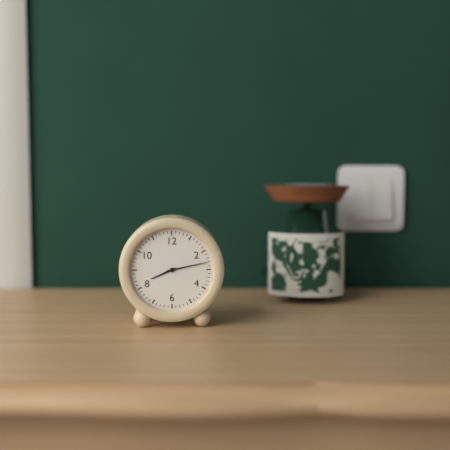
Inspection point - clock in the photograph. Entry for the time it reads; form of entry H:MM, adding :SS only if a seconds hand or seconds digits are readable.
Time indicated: 8:13
